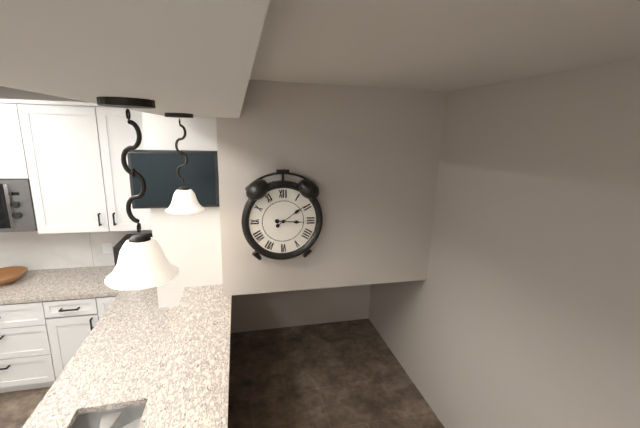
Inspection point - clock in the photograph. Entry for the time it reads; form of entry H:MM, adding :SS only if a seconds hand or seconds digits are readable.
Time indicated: 3:09
